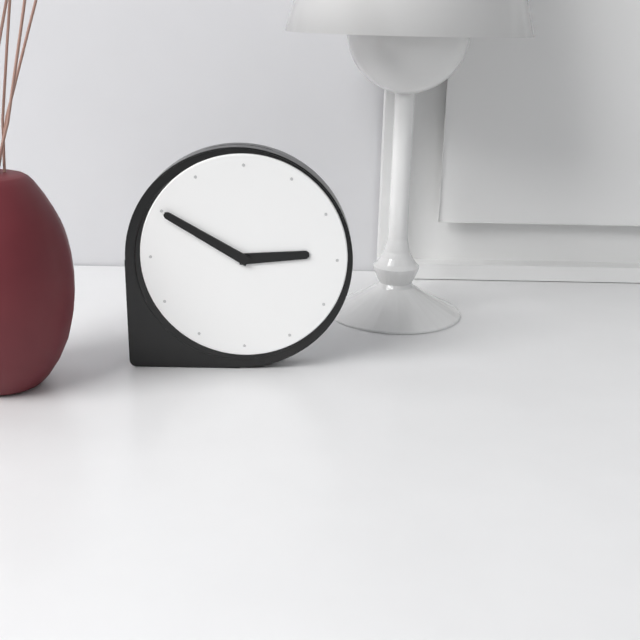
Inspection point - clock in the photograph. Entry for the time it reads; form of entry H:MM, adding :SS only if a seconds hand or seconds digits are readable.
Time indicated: 2:50
